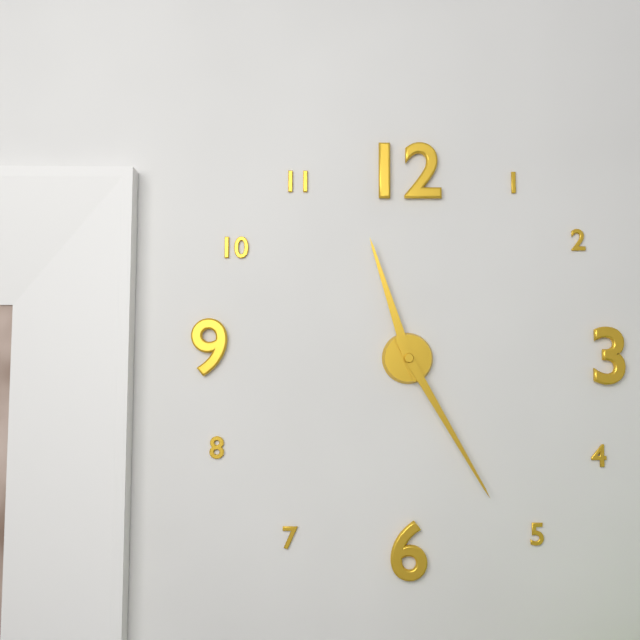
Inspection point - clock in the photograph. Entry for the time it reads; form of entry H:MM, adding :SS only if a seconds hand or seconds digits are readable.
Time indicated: 11:25
